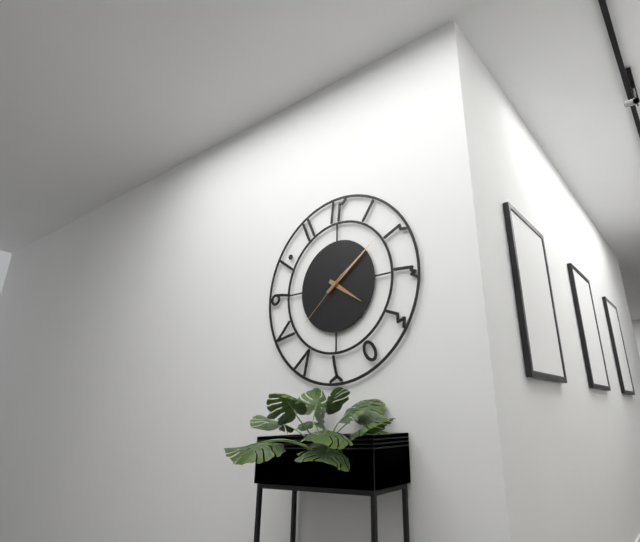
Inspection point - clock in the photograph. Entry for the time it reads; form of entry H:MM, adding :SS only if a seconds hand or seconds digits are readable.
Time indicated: 4:09:38
